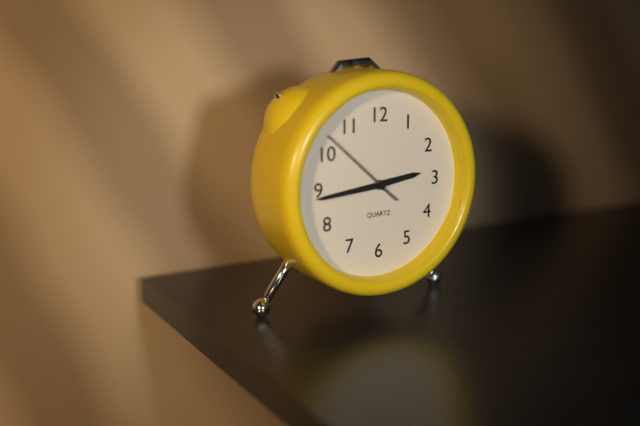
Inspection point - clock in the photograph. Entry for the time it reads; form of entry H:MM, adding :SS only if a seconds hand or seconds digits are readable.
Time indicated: 2:44:52
